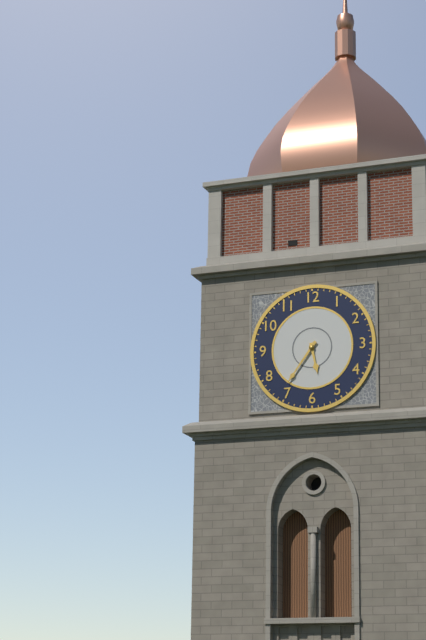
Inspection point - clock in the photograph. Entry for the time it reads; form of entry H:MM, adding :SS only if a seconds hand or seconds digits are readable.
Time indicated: 5:36
